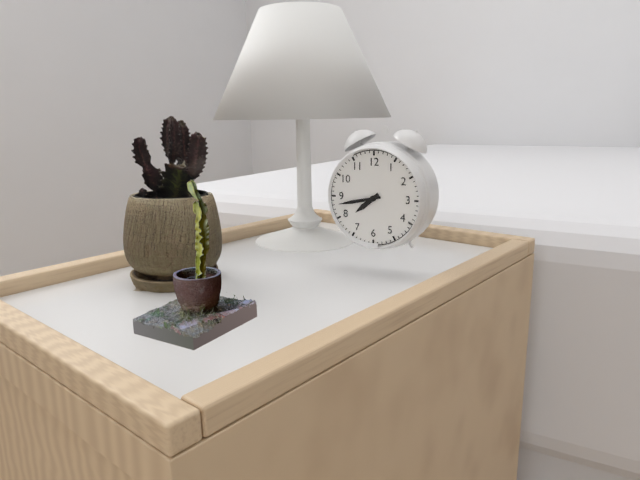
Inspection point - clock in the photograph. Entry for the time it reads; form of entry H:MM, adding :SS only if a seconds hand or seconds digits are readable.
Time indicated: 7:43
